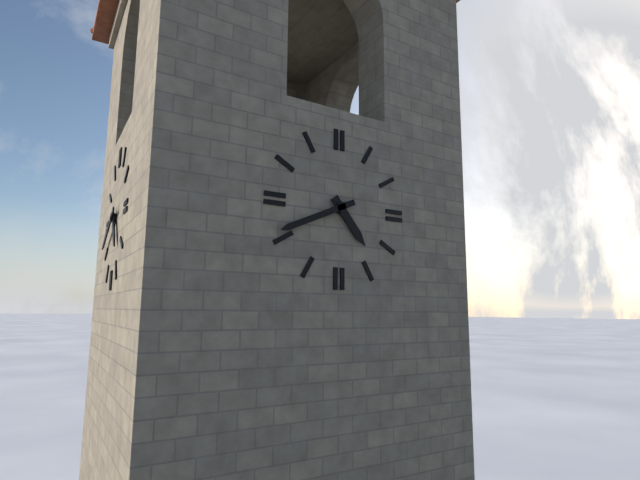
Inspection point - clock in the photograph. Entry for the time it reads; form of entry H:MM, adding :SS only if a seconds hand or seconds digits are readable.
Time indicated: 4:41
